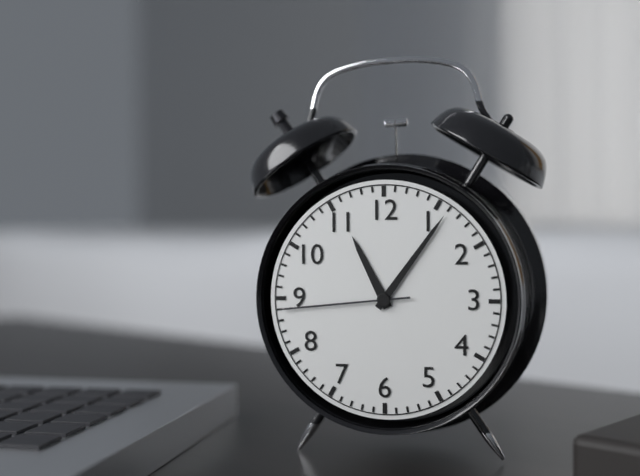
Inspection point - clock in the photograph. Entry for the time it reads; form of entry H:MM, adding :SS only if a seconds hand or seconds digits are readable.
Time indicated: 11:06:44
